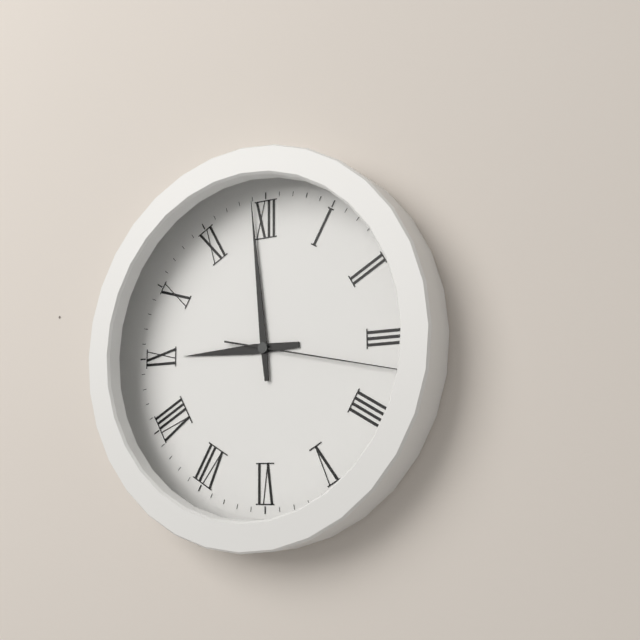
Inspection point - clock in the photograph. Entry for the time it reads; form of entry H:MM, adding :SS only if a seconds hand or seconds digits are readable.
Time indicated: 8:59:17
